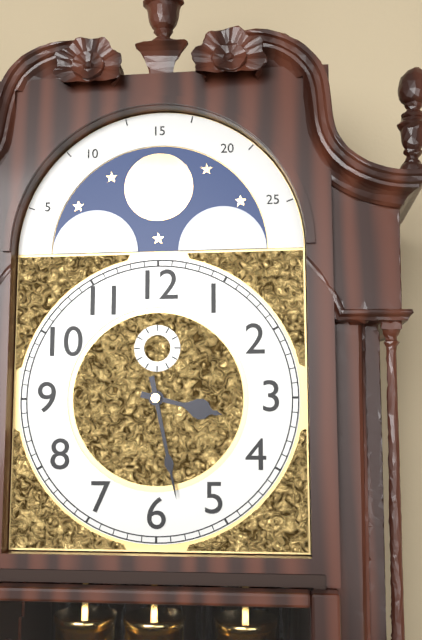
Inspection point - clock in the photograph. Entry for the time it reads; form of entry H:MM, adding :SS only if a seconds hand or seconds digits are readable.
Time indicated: 3:28
